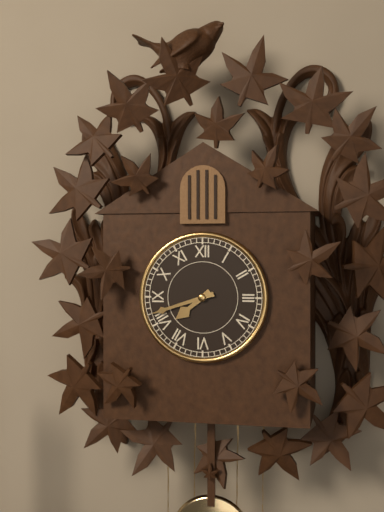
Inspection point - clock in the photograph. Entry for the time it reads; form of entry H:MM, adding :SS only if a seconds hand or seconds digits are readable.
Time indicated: 7:42
